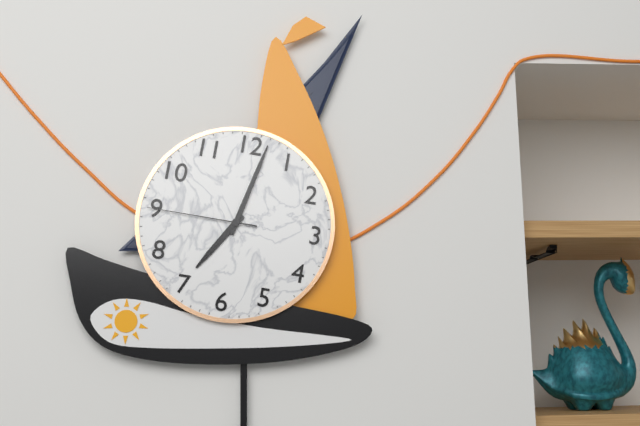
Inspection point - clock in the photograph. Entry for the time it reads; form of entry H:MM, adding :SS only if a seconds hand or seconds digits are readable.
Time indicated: 7:02:45
